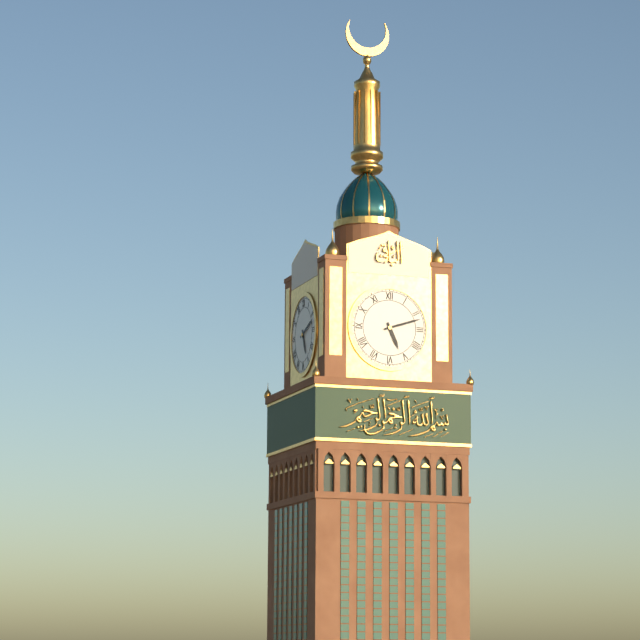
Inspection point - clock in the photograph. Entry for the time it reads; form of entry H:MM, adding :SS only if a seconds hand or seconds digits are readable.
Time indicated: 5:12
